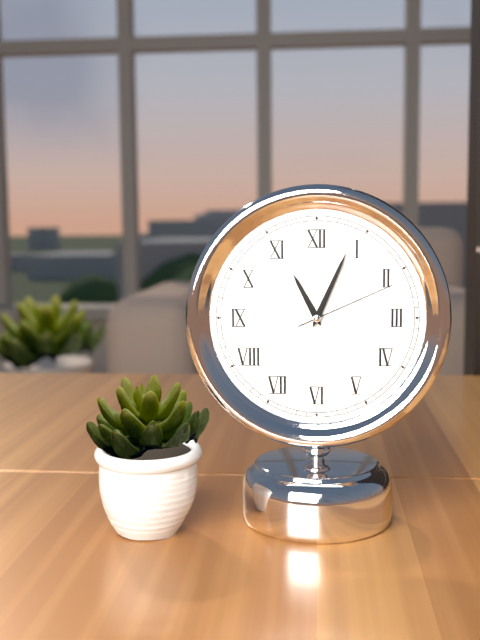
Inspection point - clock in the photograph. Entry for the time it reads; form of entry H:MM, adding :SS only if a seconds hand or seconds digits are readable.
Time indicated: 11:04:11
